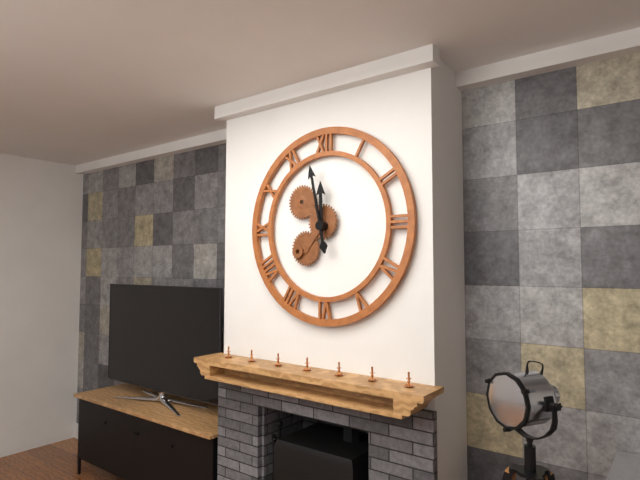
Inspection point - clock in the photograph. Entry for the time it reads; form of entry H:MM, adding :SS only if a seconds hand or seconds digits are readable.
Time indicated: 11:58
